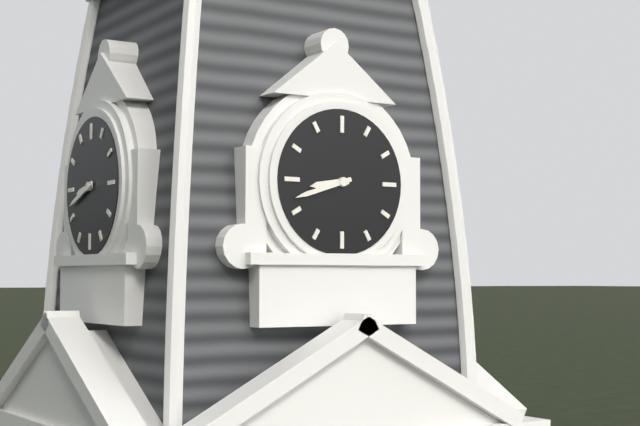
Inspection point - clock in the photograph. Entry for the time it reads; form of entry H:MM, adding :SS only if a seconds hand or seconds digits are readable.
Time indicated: 8:42
